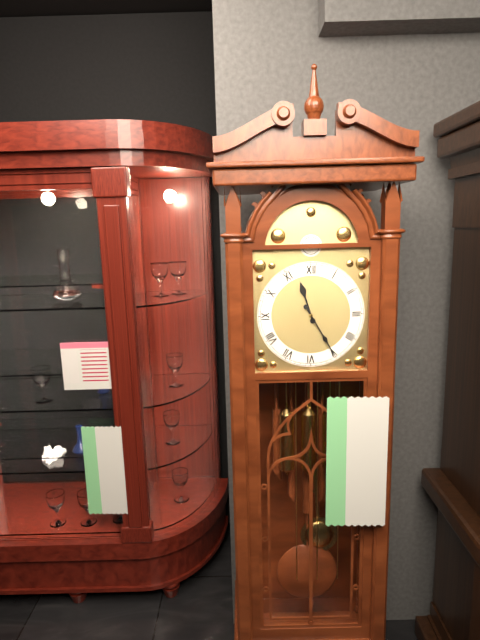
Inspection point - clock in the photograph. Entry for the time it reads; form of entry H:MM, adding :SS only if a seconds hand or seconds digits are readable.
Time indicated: 11:25
